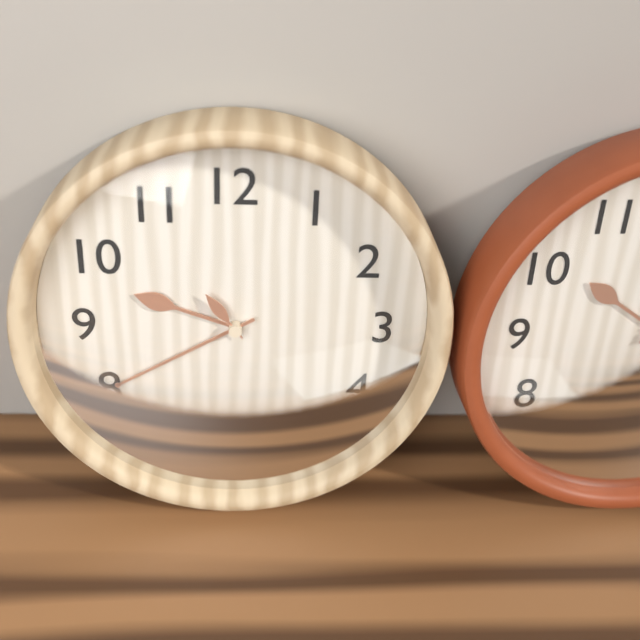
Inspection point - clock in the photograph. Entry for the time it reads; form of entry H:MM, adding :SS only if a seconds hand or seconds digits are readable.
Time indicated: 9:40:54
